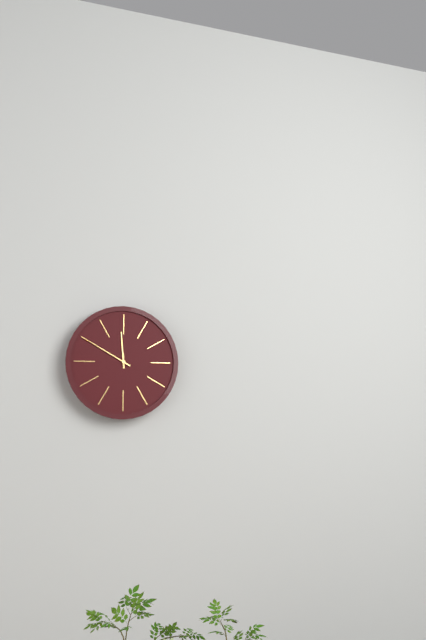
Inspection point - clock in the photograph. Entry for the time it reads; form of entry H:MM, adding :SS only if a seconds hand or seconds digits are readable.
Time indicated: 11:50
